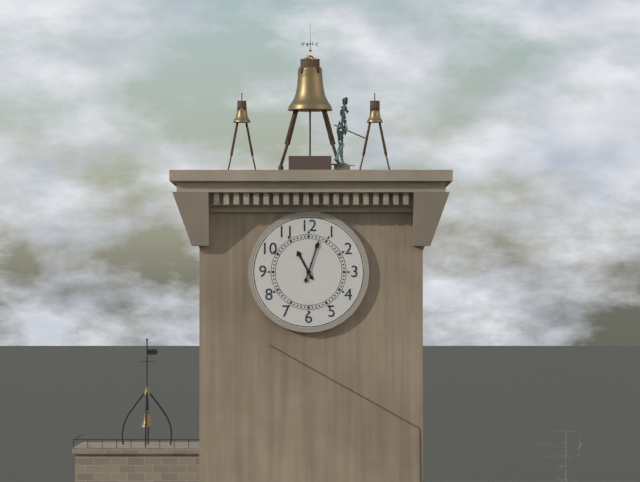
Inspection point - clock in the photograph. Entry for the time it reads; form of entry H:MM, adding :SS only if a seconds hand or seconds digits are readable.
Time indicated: 11:03
